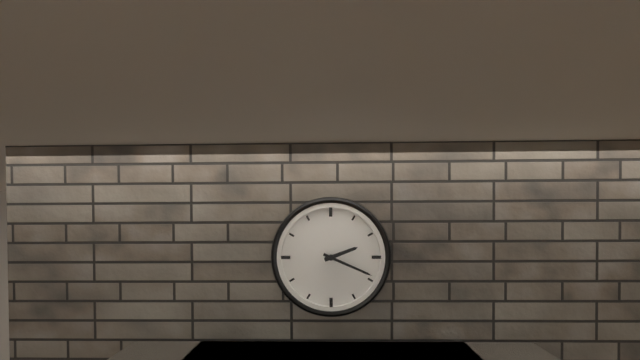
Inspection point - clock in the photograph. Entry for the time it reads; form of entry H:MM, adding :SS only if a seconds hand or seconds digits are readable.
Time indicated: 2:19
